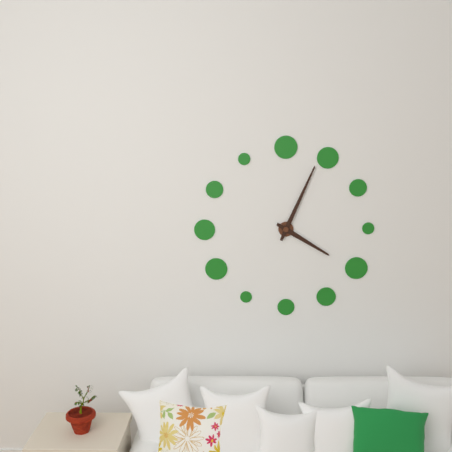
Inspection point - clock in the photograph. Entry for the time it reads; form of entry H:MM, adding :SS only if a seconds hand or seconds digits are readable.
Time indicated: 4:04
